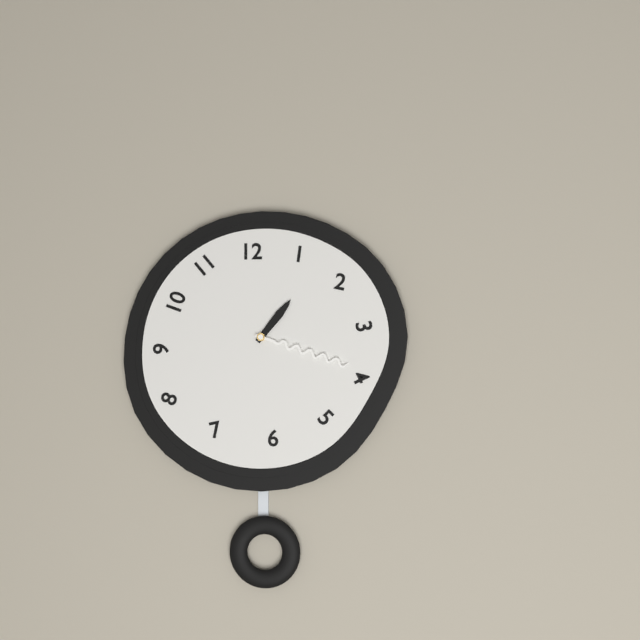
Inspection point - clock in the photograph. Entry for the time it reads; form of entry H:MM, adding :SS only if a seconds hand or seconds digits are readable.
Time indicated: 1:18
